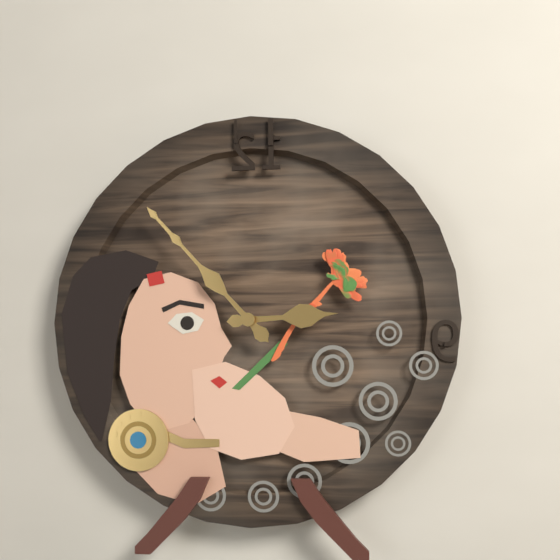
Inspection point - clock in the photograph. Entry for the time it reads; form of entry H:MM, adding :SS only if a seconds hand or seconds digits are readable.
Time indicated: 2:53
